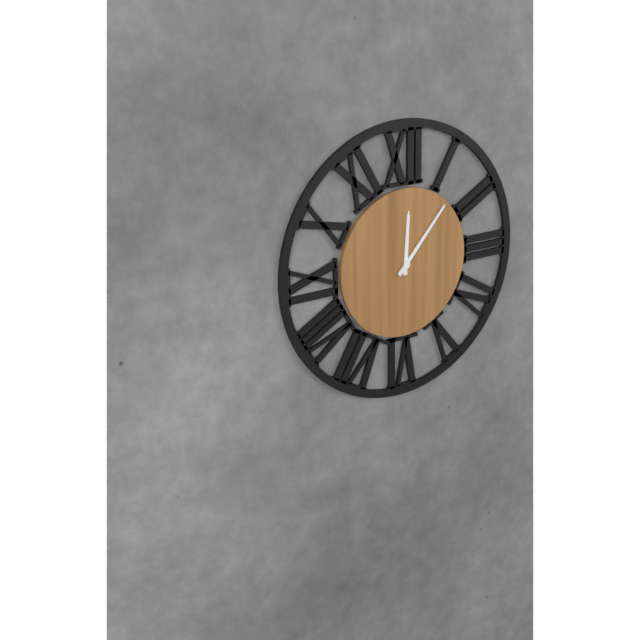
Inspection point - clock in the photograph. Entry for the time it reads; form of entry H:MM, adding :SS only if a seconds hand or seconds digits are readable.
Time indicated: 12:07
